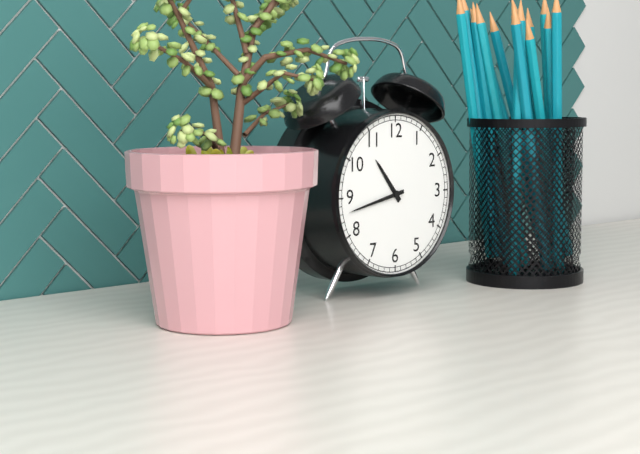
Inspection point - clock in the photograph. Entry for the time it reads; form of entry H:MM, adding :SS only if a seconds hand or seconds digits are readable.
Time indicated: 10:43
